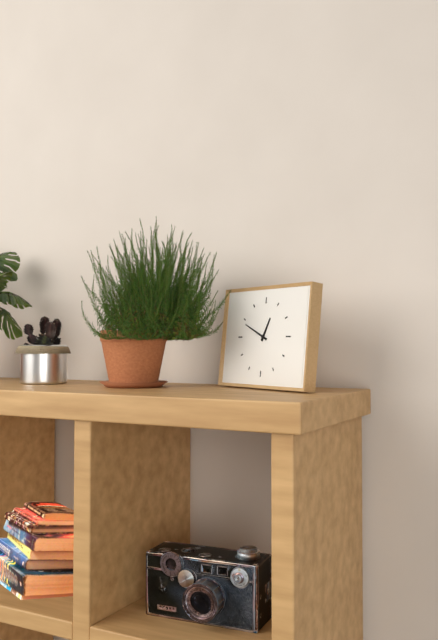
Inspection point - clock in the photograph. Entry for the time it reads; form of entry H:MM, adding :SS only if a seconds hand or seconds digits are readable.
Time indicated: 12:49
